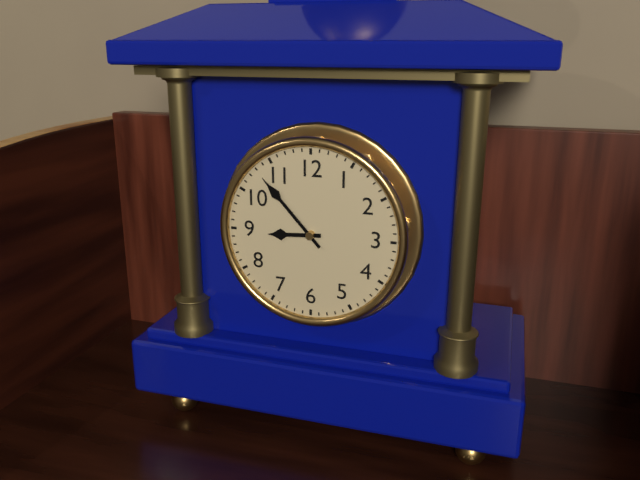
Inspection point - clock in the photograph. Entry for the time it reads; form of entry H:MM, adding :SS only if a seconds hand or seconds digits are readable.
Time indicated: 8:53
